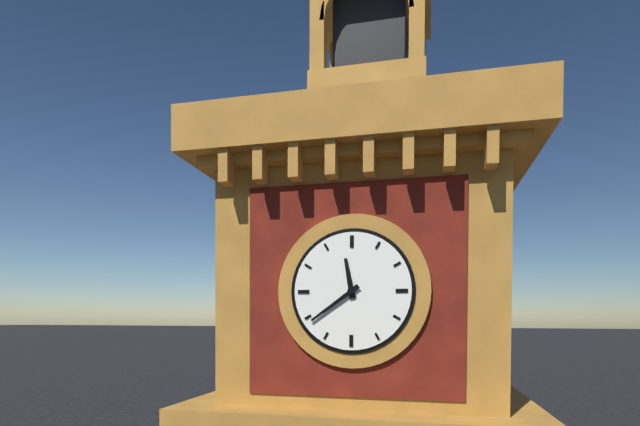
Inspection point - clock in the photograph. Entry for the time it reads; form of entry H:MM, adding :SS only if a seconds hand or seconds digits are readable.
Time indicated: 11:39
